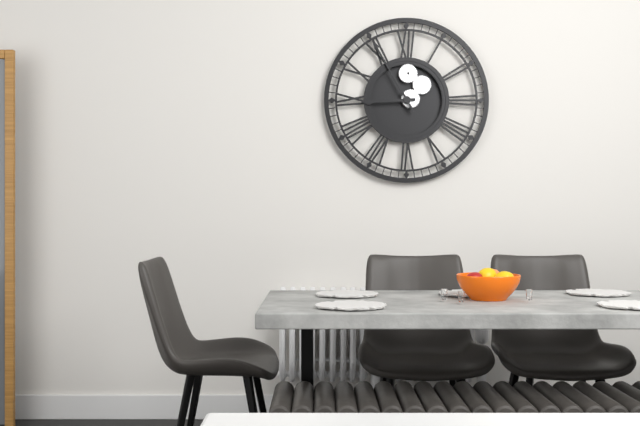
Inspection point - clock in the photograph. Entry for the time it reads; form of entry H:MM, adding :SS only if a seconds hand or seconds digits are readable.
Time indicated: 8:55
